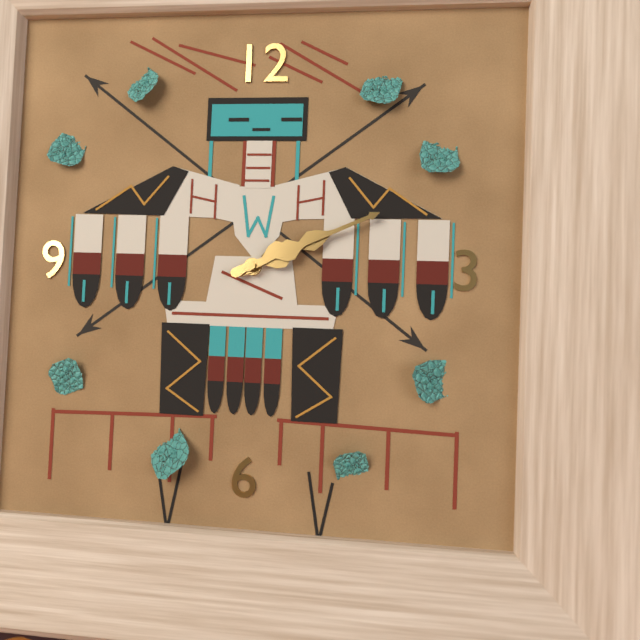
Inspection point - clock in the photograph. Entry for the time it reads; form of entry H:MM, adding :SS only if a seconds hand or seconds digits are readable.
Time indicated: 2:11
